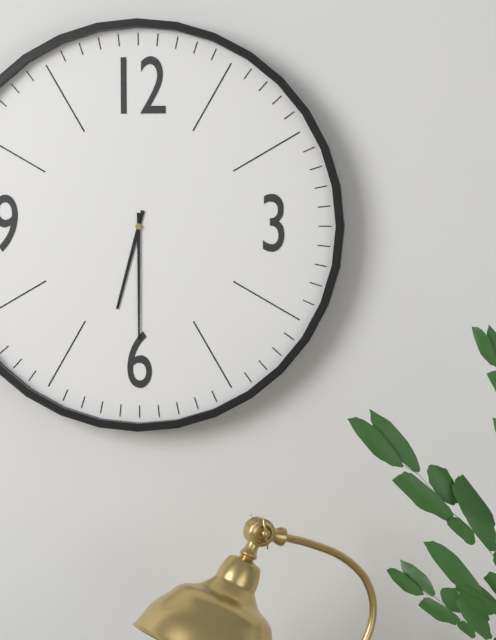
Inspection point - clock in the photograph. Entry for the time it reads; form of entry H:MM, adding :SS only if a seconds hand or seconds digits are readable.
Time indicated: 6:30
